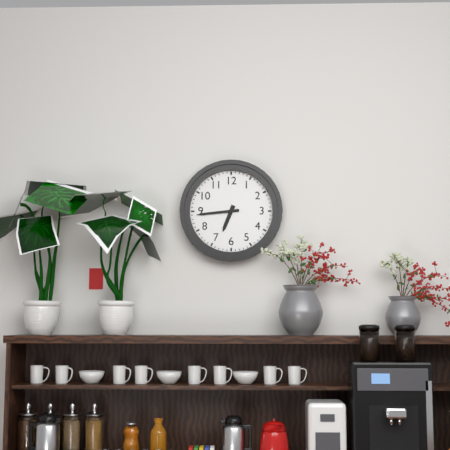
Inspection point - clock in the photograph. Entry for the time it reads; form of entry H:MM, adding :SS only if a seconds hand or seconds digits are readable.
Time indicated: 6:44
